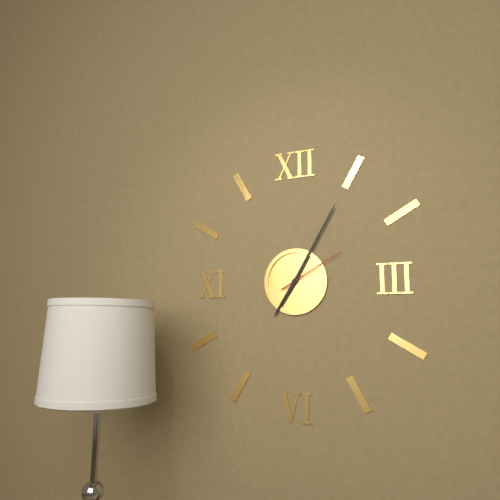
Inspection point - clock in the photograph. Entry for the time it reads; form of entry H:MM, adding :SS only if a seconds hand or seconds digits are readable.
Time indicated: 7:05:10
